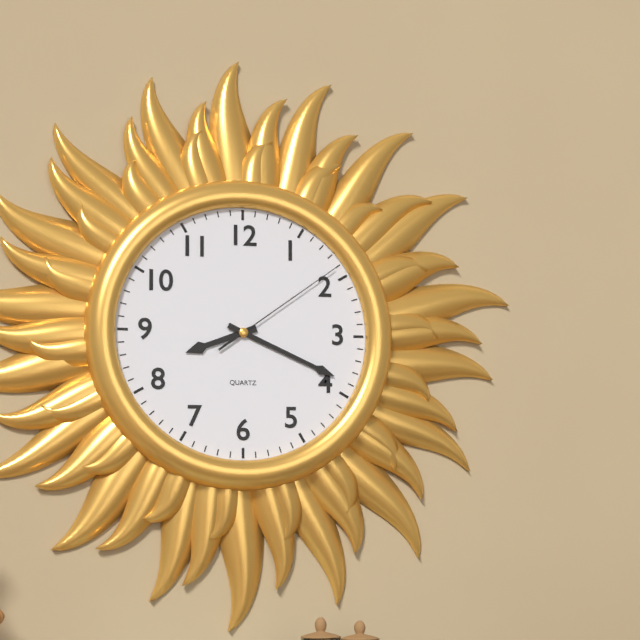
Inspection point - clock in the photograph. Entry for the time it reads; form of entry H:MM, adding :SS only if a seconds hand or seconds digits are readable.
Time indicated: 8:19:09
